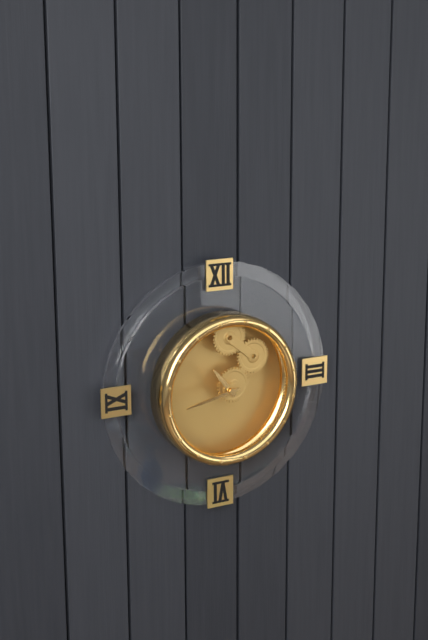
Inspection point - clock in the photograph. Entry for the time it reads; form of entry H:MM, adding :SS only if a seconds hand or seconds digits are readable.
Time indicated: 10:43
